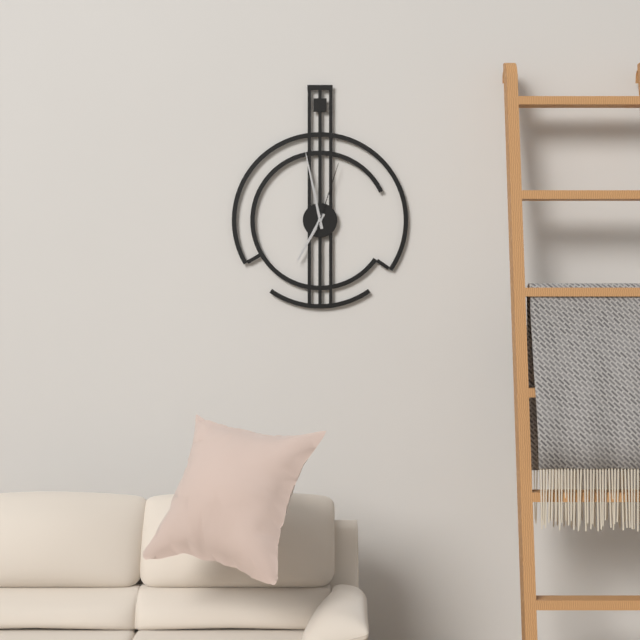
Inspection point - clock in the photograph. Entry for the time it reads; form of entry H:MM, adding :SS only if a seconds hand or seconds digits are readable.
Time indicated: 6:58:03
